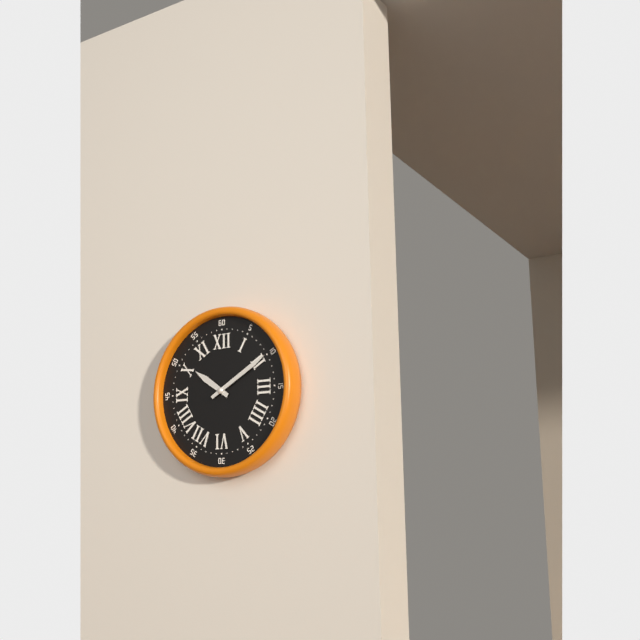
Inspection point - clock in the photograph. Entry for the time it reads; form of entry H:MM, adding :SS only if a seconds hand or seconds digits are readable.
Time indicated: 10:10
